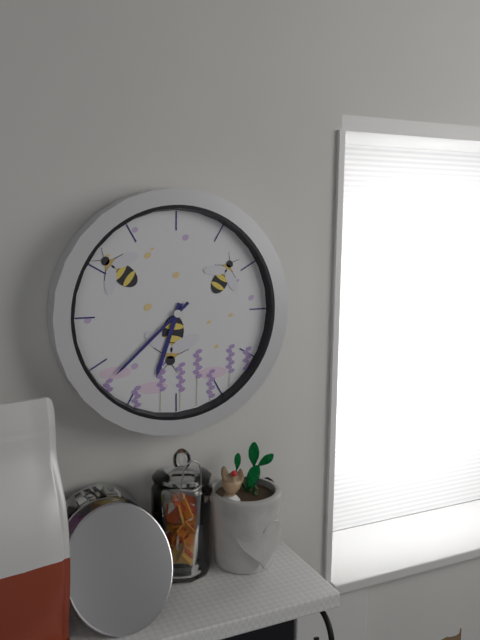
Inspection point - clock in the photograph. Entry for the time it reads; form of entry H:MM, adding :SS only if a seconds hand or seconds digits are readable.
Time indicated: 6:38
